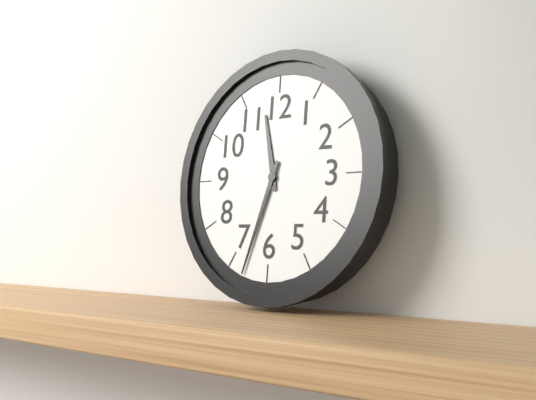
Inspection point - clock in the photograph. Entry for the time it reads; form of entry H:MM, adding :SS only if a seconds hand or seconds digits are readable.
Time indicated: 11:33
